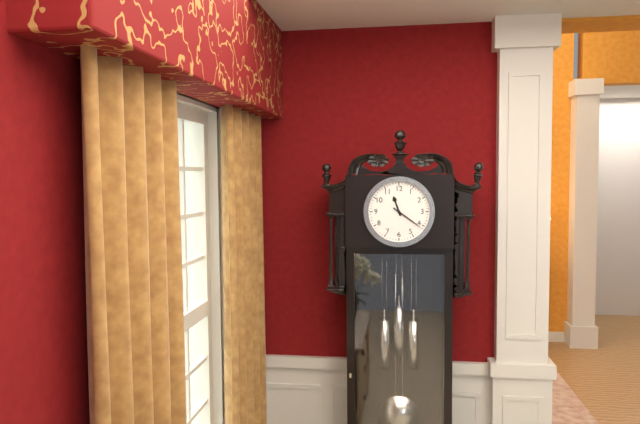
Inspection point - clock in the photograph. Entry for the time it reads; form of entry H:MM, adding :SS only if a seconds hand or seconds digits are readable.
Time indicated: 11:21
